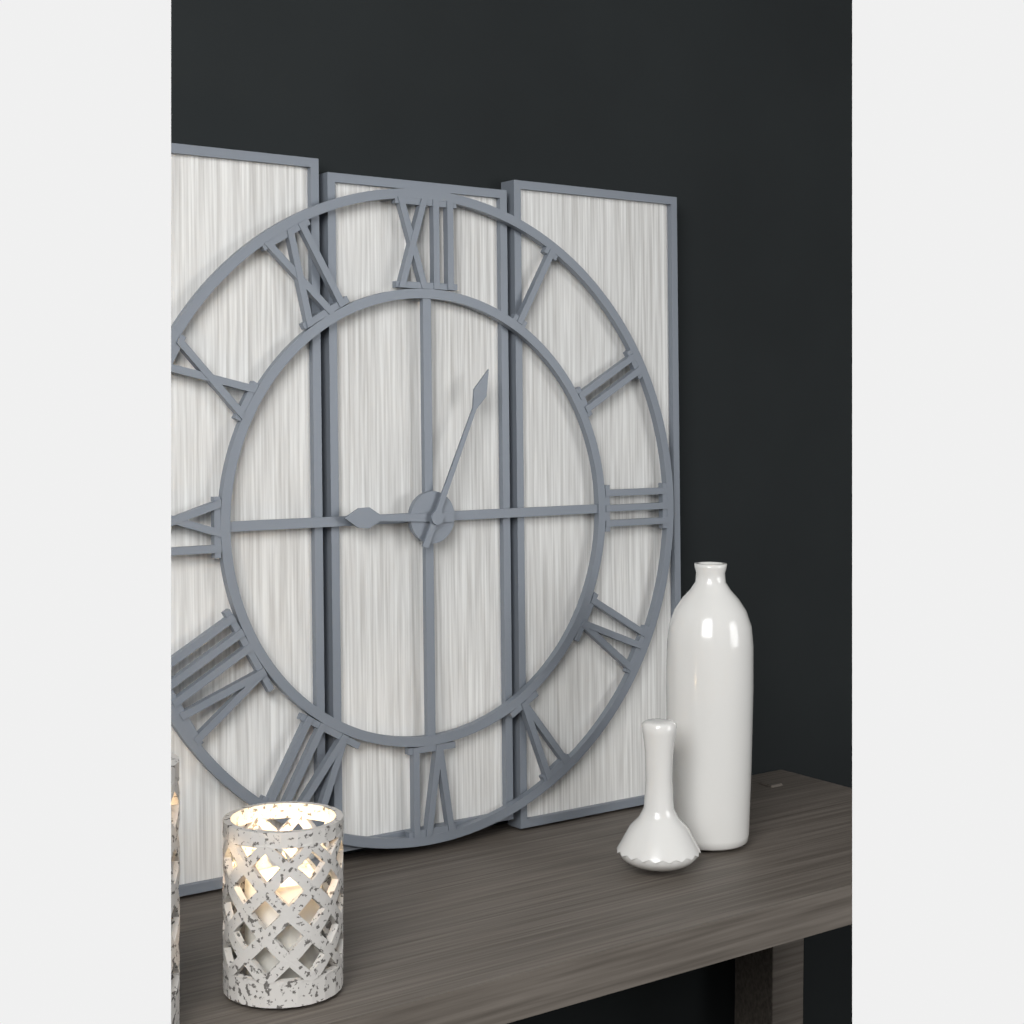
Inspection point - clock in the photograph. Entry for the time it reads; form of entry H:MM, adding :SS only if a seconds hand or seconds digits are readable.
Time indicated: 9:04
